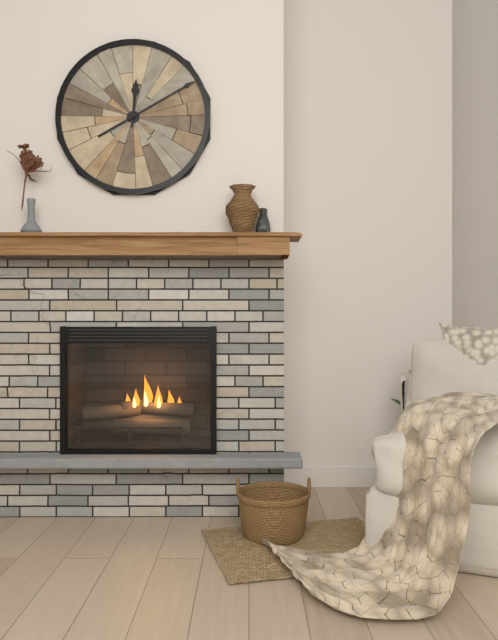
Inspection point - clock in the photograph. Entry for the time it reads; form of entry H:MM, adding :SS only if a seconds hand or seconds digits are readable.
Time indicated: 12:10
